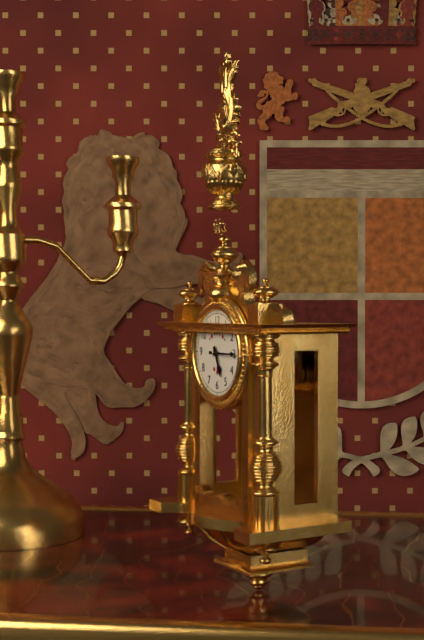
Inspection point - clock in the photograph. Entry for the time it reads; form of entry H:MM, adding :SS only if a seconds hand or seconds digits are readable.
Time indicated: 5:15
